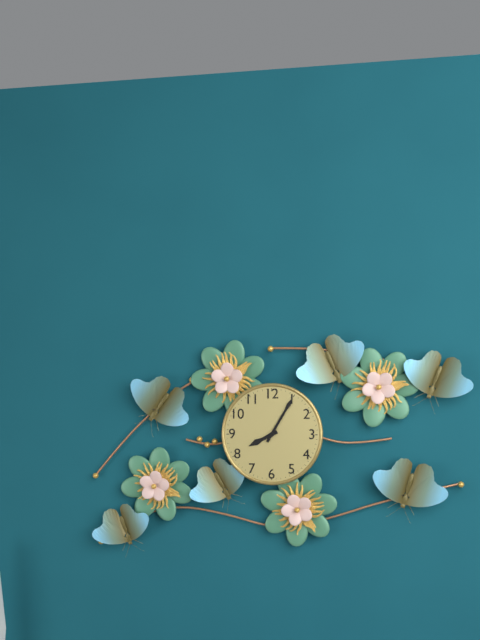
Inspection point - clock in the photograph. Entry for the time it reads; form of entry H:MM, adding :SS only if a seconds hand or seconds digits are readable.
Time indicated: 8:05
